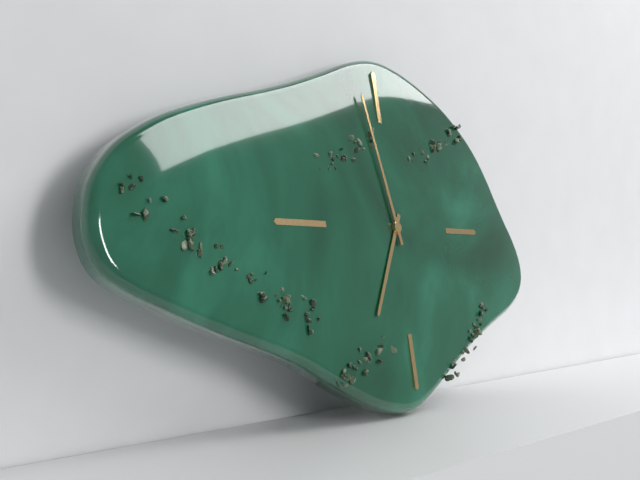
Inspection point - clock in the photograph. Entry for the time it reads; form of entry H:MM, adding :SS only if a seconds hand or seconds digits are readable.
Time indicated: 6:58
